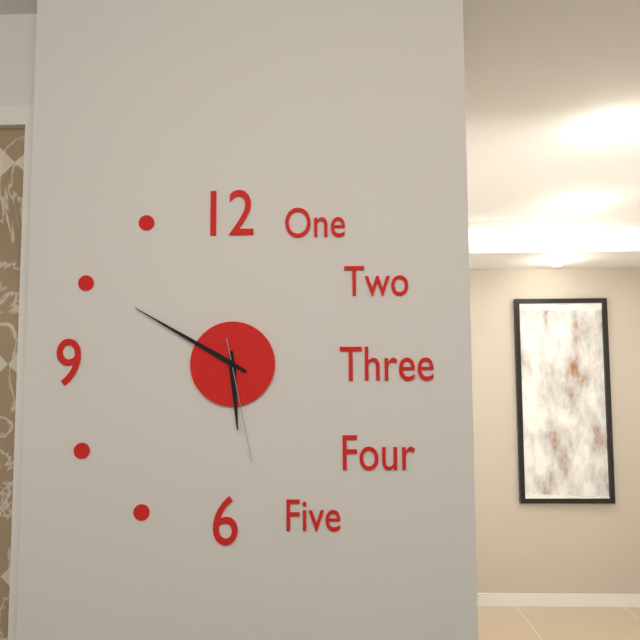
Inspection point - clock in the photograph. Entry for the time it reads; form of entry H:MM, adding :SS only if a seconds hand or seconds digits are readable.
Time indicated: 5:50:28
